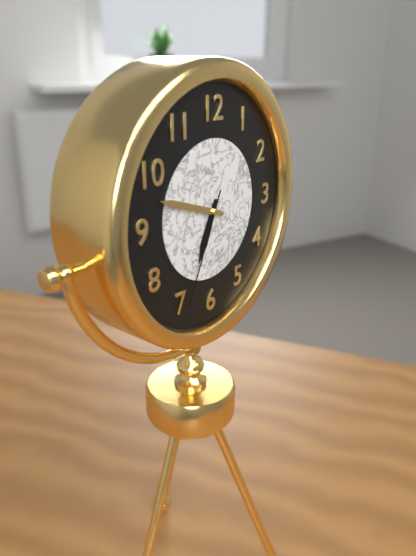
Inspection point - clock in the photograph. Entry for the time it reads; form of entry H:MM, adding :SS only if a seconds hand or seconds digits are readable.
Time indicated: 6:48:34
